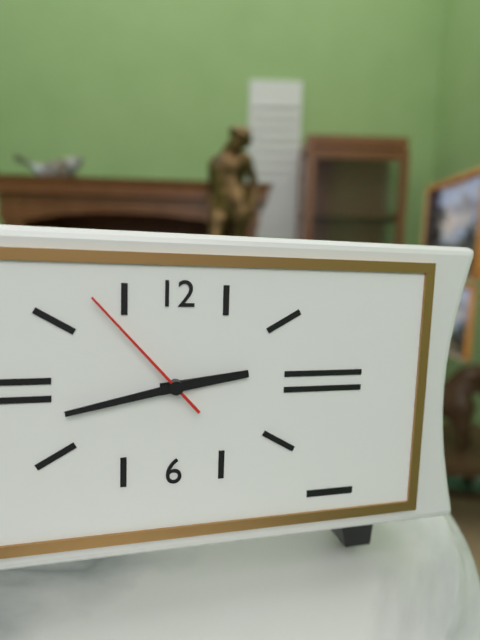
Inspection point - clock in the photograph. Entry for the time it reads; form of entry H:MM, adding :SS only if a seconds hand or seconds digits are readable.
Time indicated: 2:43:53
